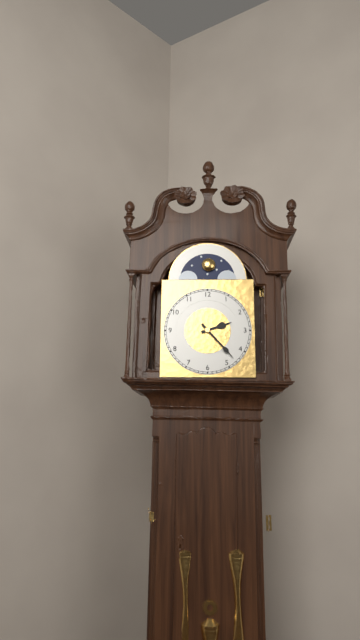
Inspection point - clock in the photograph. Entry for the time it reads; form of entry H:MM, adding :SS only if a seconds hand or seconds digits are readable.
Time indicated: 2:23
